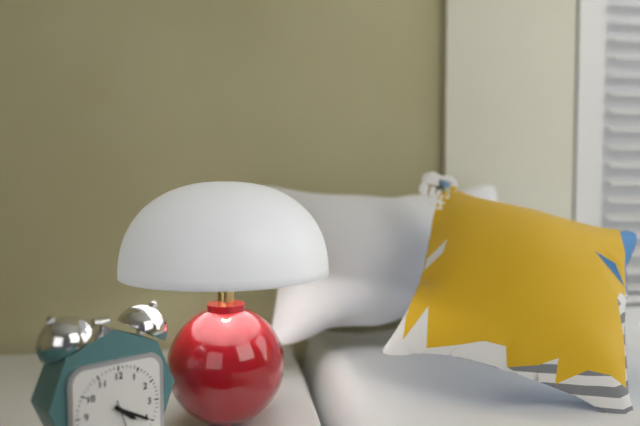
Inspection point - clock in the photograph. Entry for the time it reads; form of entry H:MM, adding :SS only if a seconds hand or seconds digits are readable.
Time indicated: 4:20
